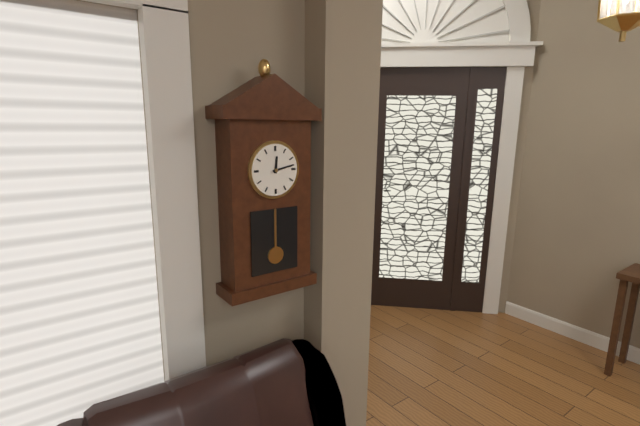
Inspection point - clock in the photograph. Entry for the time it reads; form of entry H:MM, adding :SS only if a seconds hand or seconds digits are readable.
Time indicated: 12:13
